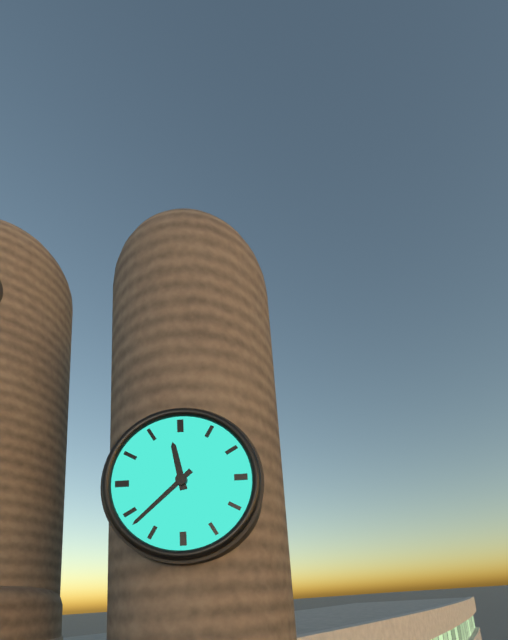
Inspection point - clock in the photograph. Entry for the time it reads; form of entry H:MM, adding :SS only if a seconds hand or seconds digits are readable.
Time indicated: 11:38
